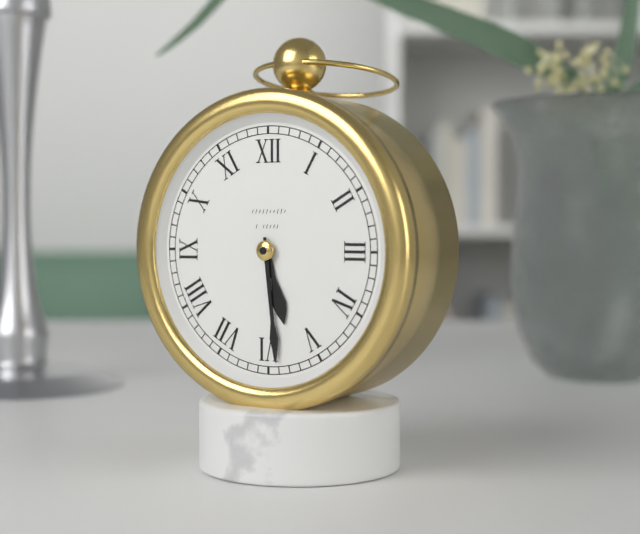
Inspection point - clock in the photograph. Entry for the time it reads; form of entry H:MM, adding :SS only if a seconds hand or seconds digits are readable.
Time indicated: 5:29
